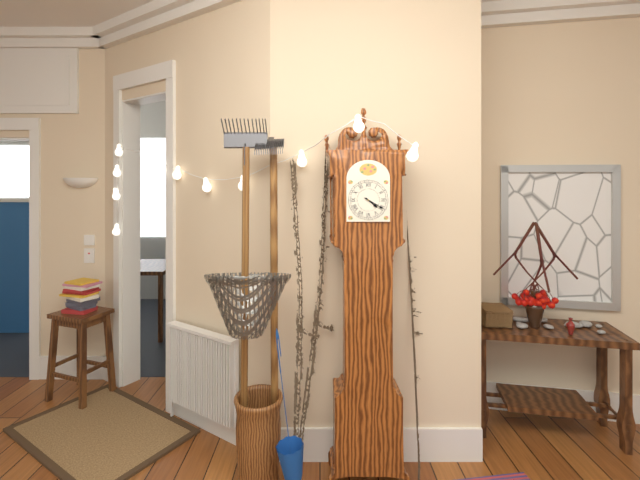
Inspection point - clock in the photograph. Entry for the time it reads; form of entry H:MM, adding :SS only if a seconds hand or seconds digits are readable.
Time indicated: 4:20
